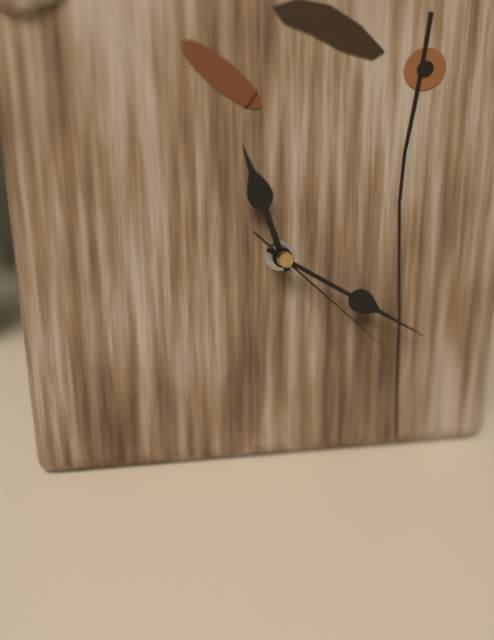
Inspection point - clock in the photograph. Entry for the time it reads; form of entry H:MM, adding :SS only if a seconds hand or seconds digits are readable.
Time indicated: 11:20:22
